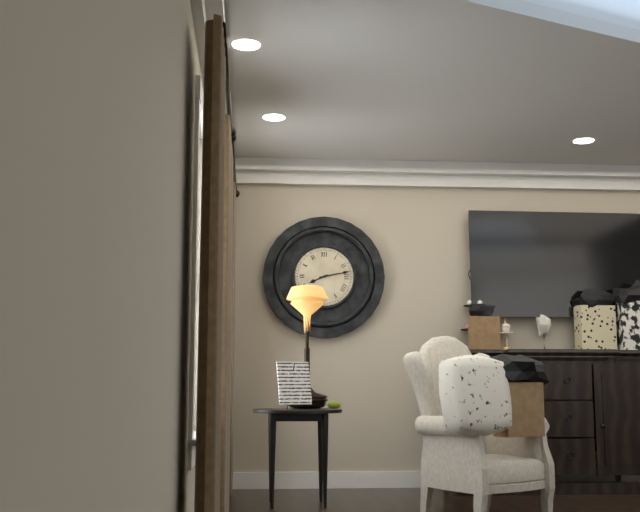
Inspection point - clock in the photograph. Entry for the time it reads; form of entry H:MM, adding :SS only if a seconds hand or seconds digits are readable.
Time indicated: 8:13
